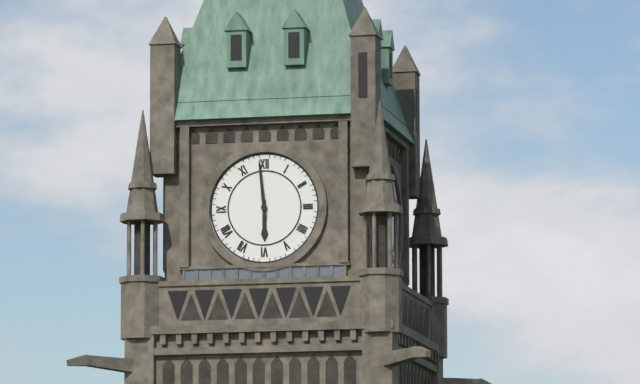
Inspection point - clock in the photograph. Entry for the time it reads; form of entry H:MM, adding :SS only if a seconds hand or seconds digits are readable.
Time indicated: 5:59
